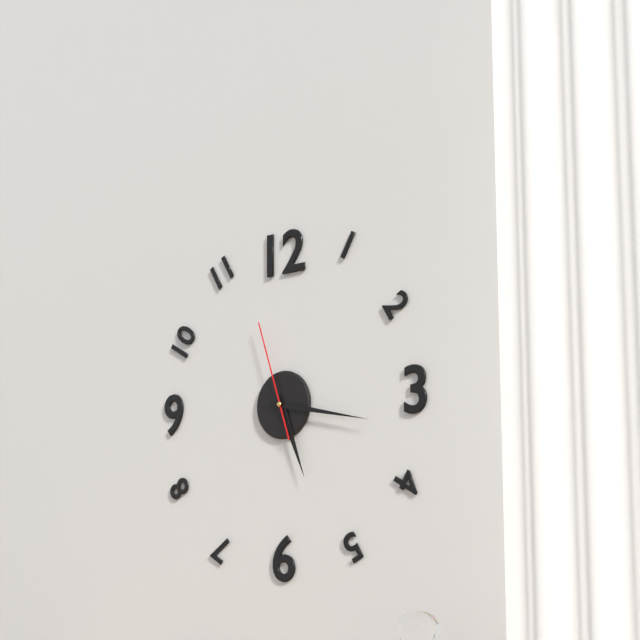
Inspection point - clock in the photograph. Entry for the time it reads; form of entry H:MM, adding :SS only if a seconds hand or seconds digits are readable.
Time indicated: 5:17:57
